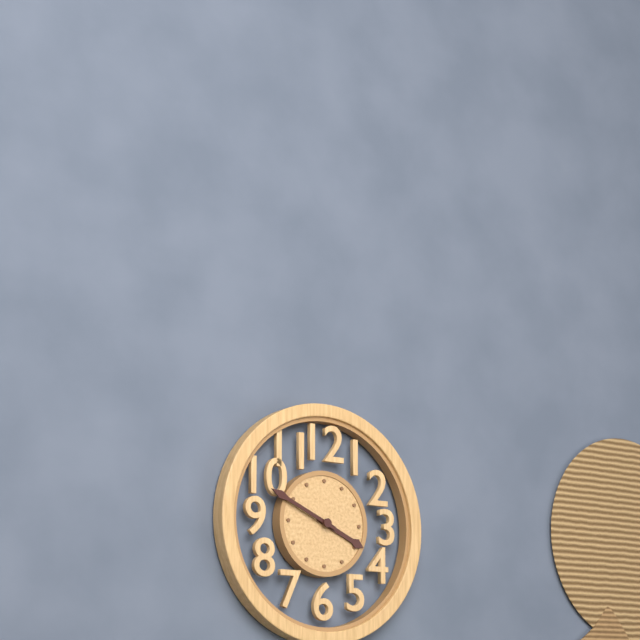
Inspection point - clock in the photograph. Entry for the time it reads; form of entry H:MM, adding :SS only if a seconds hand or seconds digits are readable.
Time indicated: 3:49
